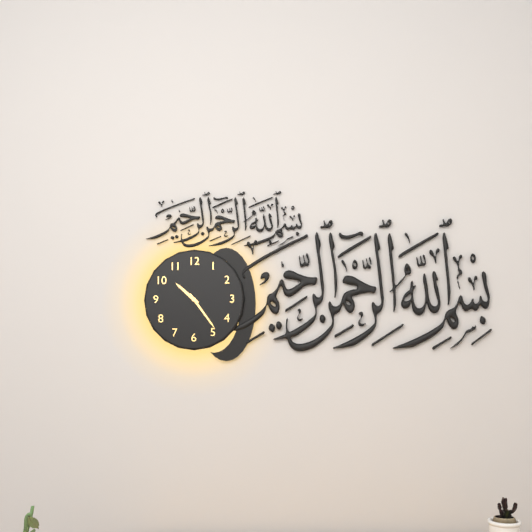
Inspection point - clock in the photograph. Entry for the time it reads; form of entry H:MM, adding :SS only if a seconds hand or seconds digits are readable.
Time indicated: 10:24
